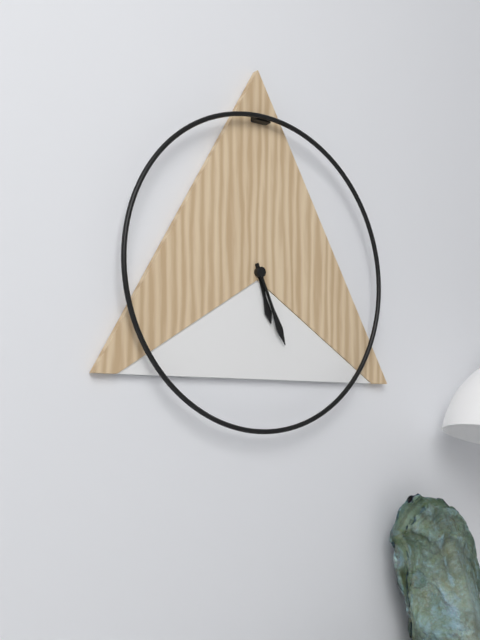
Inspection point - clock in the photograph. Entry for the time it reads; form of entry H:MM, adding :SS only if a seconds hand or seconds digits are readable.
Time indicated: 5:26
